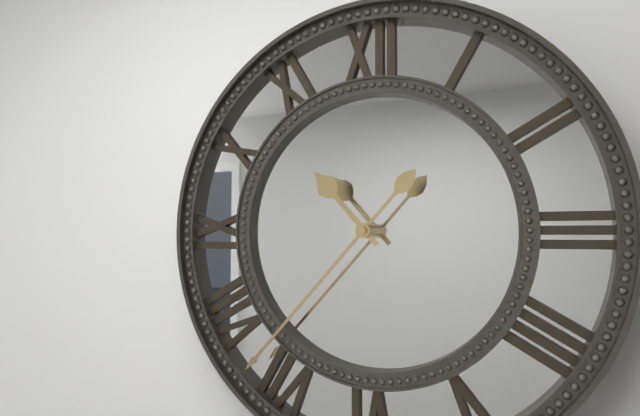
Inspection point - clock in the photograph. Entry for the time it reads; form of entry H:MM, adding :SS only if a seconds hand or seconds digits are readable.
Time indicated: 10:37
